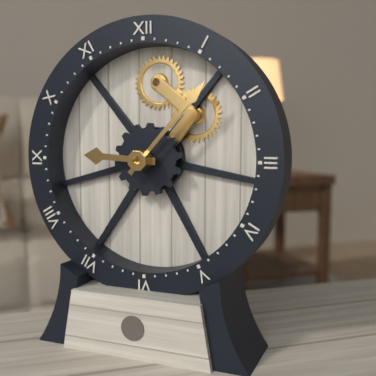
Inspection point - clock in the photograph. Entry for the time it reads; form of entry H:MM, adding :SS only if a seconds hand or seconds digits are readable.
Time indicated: 9:07
